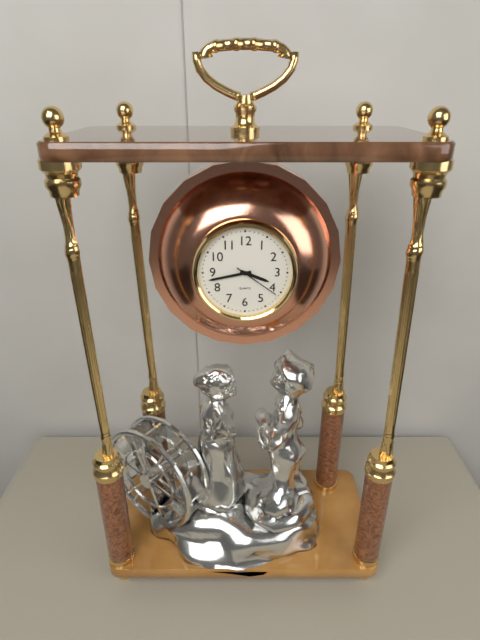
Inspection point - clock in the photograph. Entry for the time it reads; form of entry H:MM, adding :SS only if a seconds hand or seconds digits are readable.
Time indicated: 3:43
